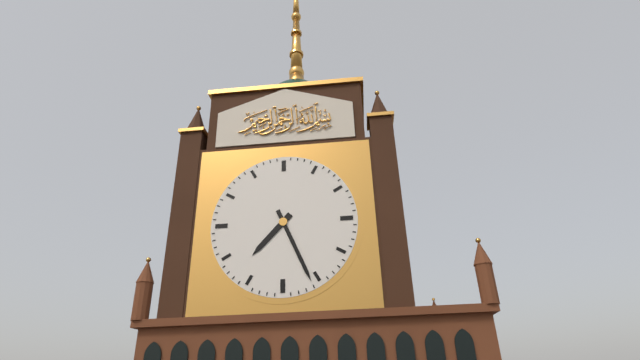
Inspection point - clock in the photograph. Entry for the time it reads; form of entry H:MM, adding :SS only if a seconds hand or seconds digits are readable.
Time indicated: 7:26
